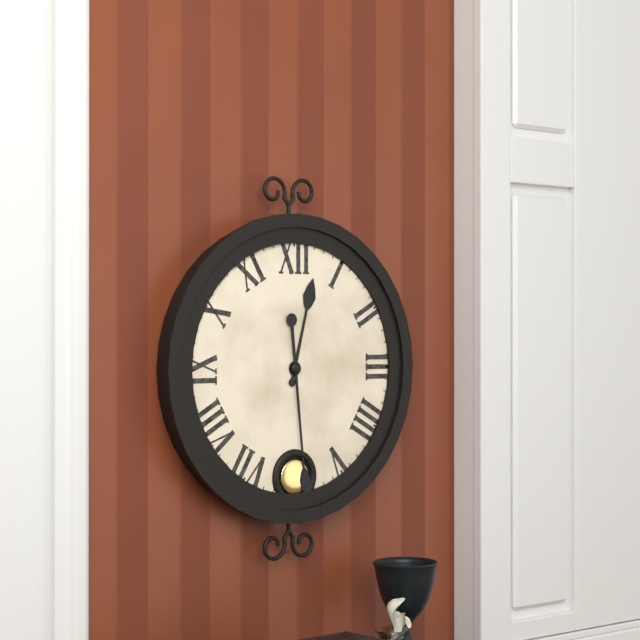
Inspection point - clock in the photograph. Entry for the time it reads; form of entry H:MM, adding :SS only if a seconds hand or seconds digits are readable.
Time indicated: 12:29
